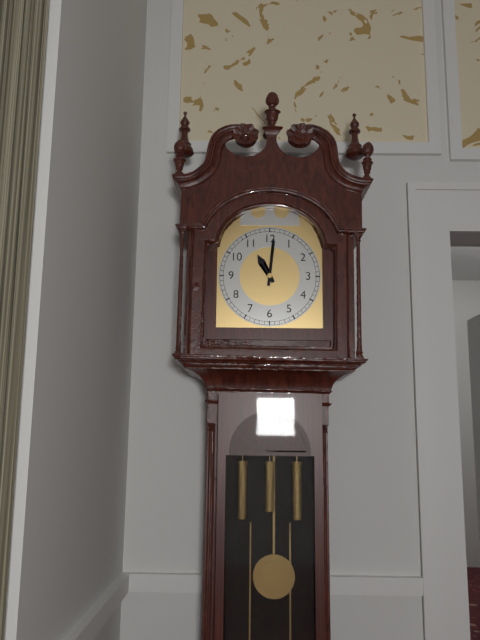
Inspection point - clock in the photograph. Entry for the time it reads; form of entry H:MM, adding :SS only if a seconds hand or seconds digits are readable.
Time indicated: 11:01
